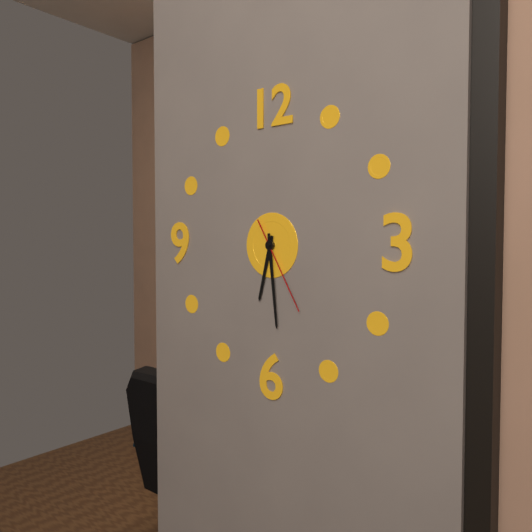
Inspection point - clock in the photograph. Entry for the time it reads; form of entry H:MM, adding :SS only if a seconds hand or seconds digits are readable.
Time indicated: 6:29:25
